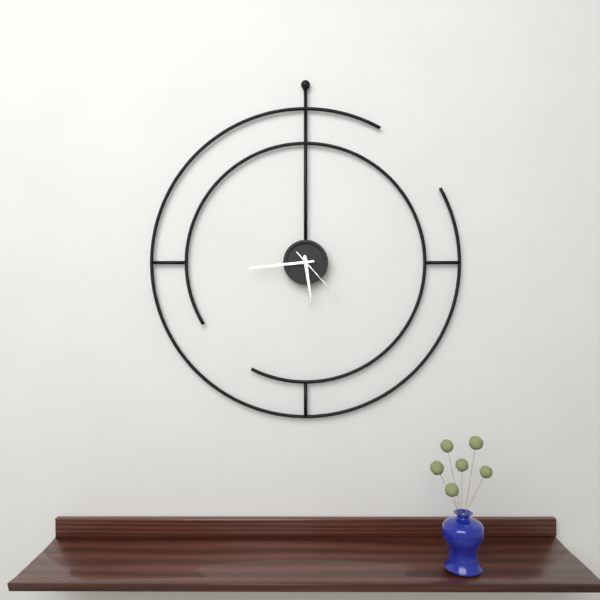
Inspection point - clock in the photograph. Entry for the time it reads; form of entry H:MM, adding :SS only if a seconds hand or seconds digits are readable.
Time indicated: 5:44:23
